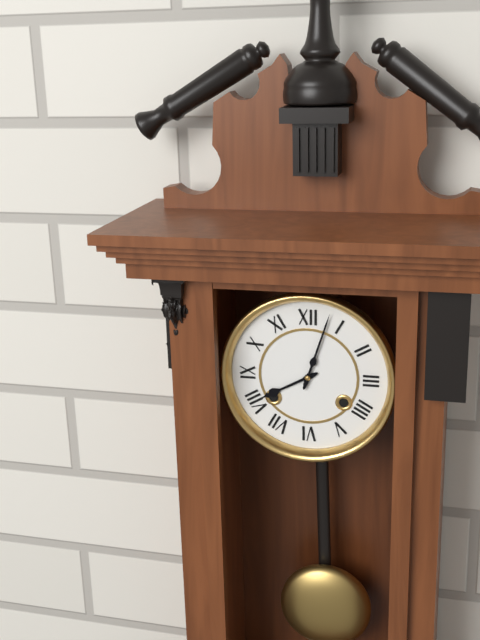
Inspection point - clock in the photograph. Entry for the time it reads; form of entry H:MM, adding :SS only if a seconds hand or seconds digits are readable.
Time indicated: 8:03
